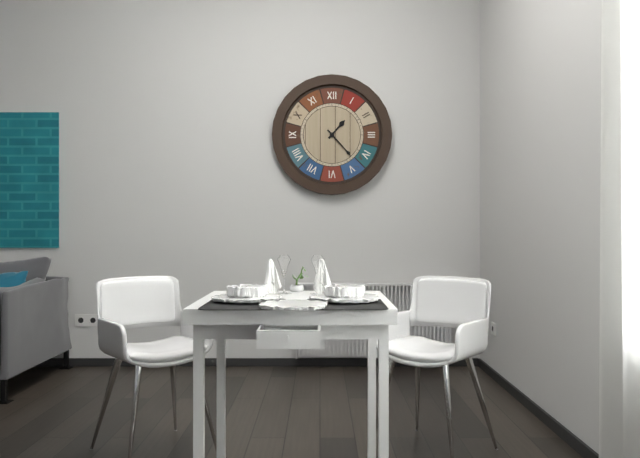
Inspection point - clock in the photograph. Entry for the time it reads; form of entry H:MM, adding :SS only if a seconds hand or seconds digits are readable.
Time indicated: 1:23
